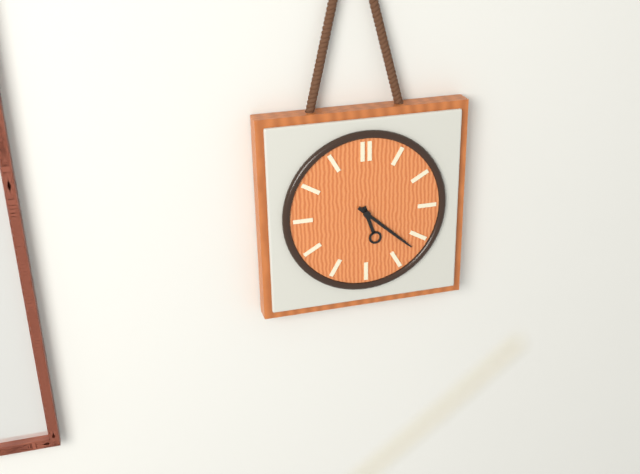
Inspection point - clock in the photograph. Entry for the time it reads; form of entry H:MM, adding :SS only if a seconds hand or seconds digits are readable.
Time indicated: 5:22
